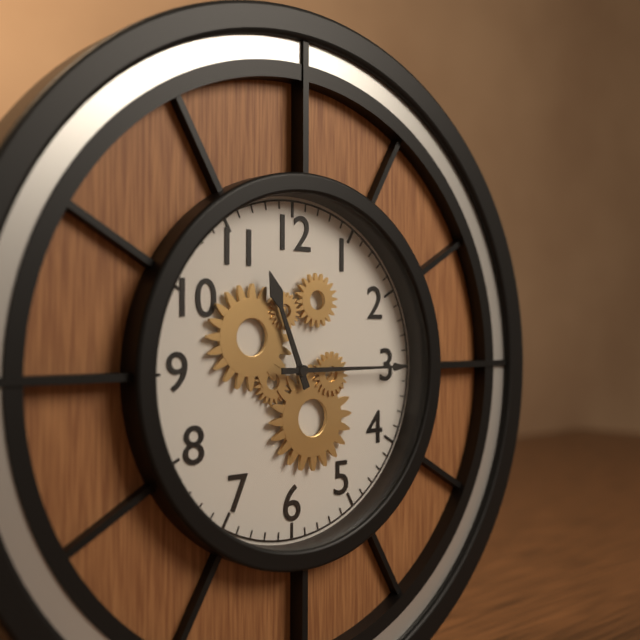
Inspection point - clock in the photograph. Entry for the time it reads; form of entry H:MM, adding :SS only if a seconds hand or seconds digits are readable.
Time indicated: 11:15
